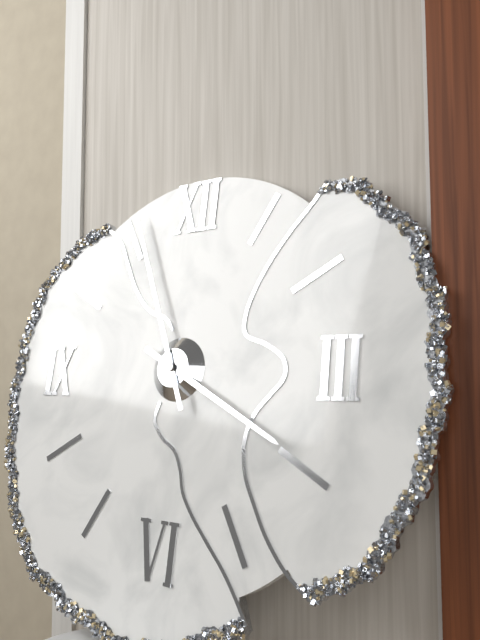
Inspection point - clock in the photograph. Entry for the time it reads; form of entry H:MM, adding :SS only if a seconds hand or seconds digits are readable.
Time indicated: 3:56
